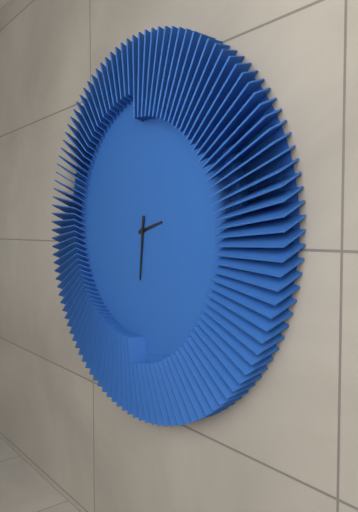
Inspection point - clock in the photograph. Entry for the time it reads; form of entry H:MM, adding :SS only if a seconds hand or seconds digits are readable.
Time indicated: 2:31
